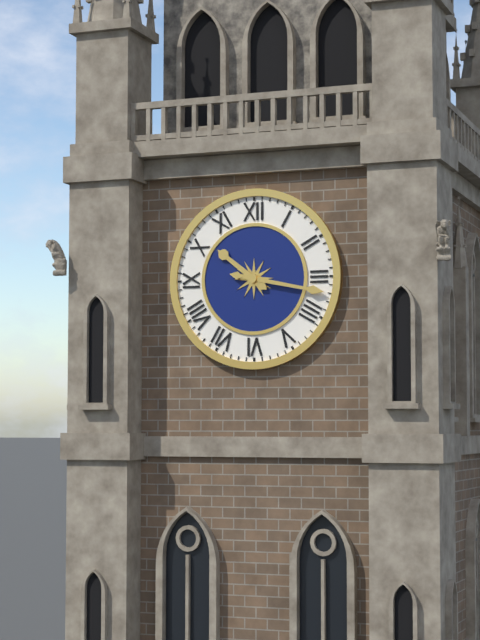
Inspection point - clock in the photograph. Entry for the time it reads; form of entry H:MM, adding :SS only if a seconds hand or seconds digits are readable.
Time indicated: 10:17
